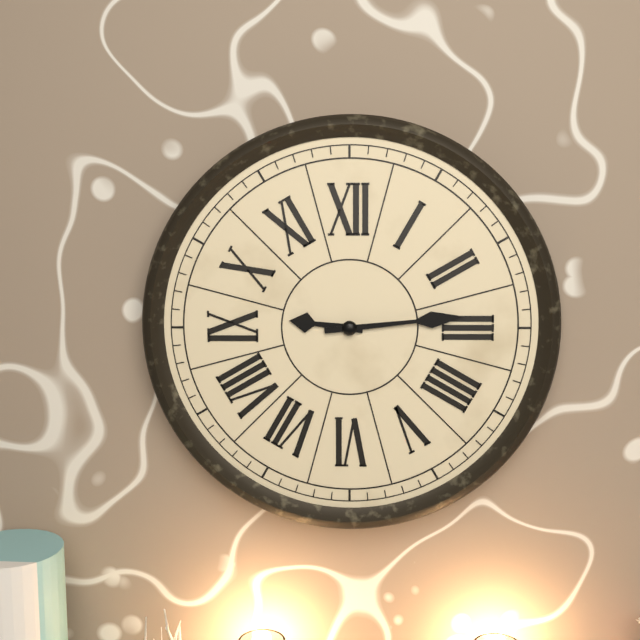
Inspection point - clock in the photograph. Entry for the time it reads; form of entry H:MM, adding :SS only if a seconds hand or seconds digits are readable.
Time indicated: 9:14
